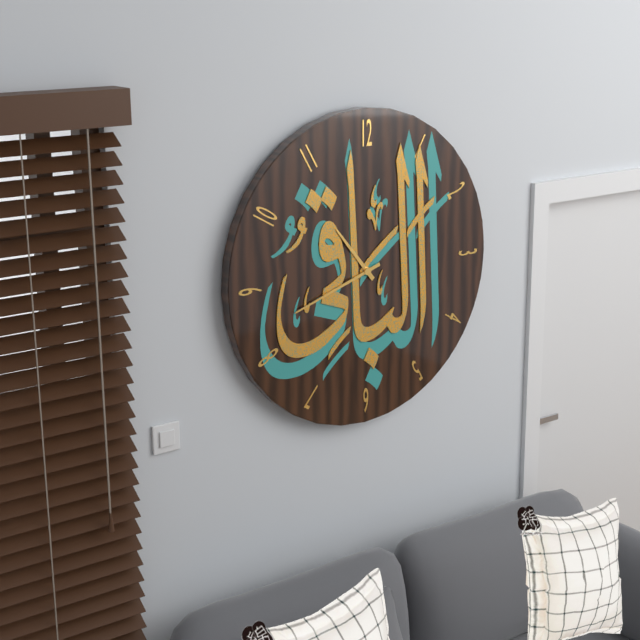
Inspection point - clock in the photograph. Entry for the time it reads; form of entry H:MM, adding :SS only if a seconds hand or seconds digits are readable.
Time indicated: 10:42
